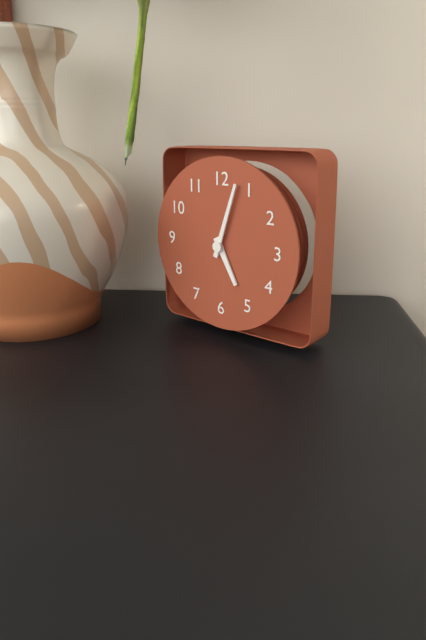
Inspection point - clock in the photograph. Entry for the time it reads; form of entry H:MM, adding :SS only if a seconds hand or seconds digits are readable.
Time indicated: 5:03
